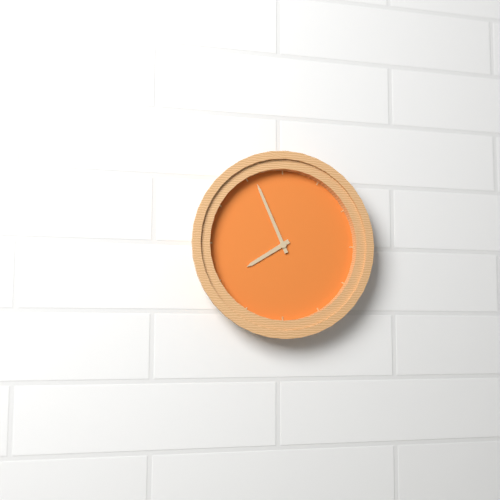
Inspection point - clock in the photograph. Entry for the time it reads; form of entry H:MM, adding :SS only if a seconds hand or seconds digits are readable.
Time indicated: 7:56
